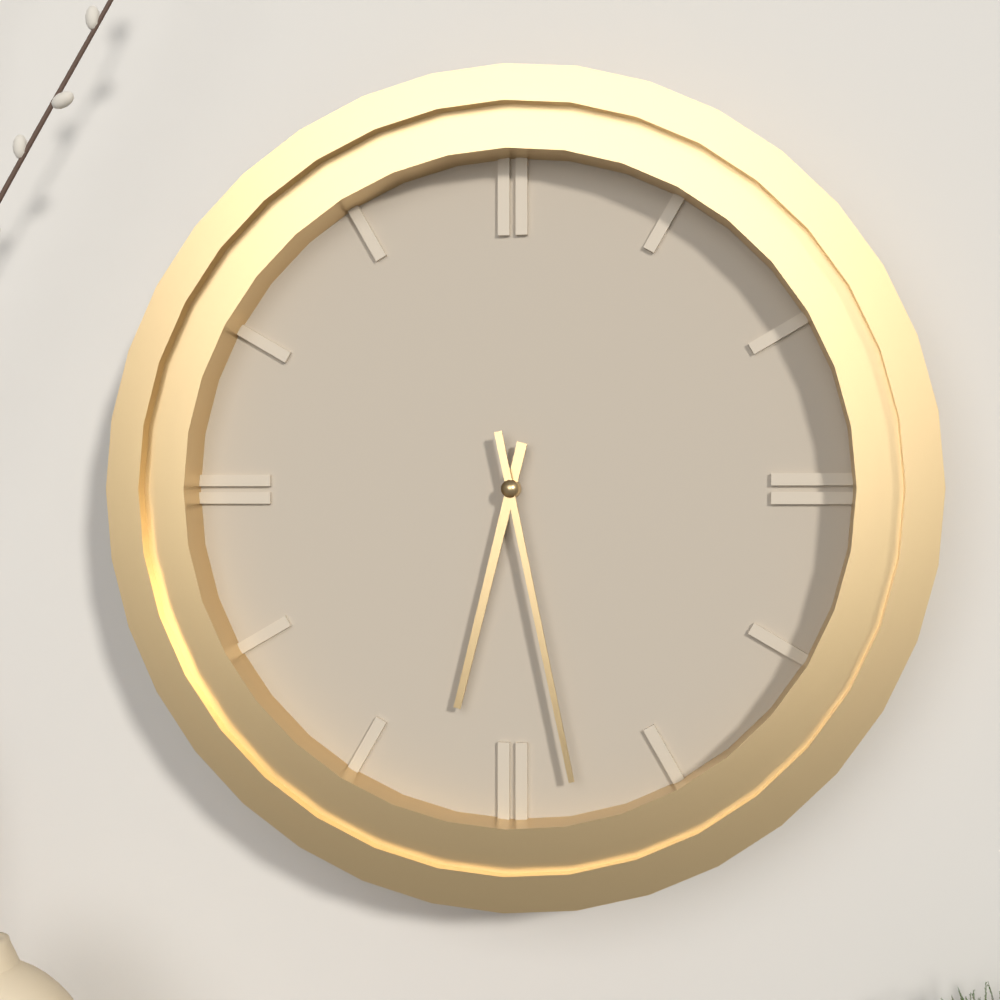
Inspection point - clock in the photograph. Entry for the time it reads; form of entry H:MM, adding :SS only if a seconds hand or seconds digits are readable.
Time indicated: 6:28
